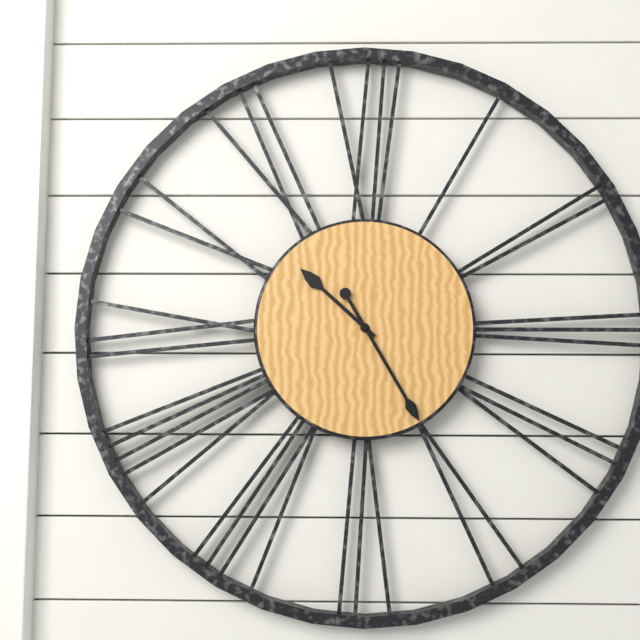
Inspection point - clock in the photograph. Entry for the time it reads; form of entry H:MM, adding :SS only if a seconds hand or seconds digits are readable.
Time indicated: 10:25
